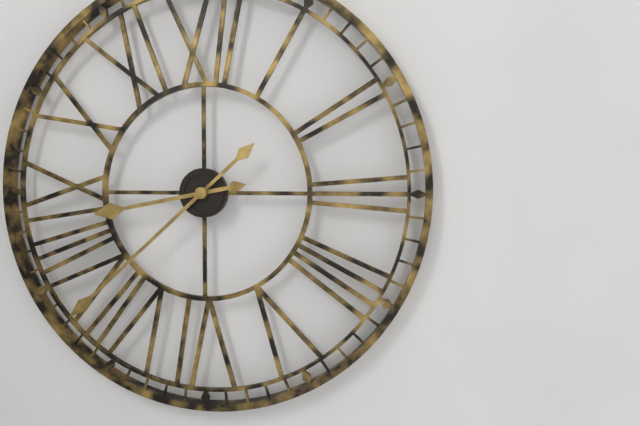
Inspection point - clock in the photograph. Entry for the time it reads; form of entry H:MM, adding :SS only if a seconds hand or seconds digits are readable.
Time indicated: 8:38
